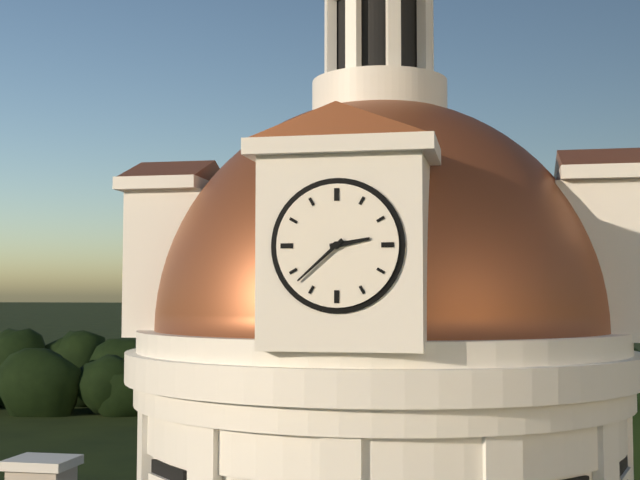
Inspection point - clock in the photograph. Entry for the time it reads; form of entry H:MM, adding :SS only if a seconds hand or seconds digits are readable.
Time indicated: 2:38
